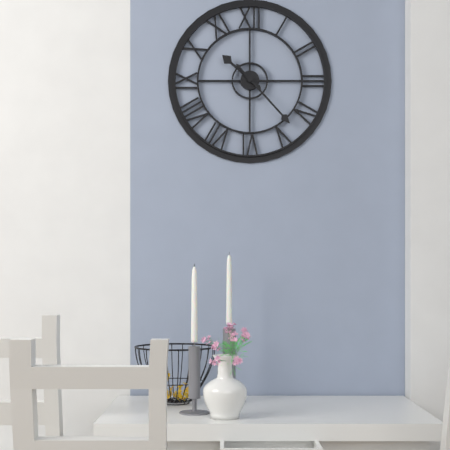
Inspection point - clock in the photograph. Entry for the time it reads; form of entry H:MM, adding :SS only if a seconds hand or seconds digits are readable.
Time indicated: 10:23
